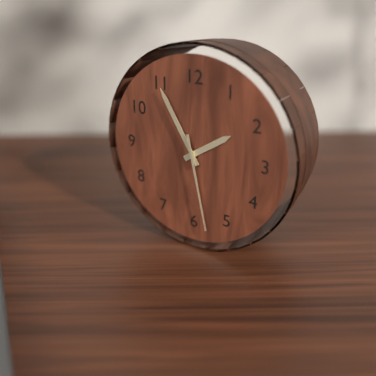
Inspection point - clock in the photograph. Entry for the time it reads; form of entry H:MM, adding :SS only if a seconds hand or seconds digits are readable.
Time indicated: 1:55:28
